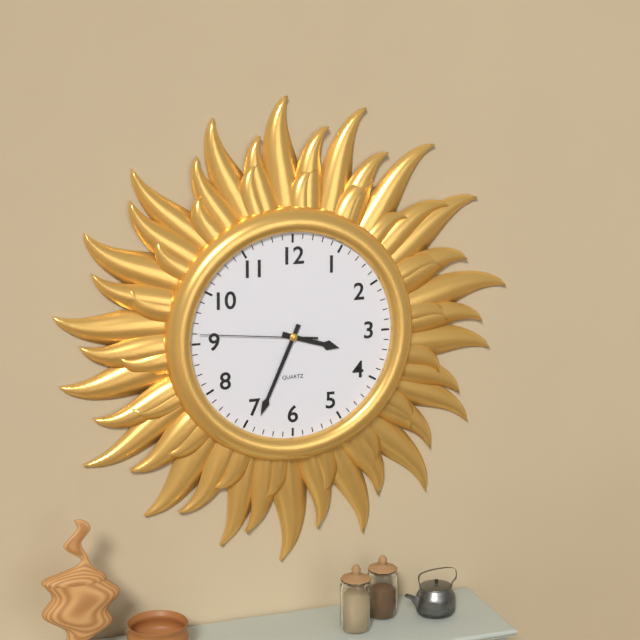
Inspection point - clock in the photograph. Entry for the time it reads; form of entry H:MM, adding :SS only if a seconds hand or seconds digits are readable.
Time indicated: 3:34:46
